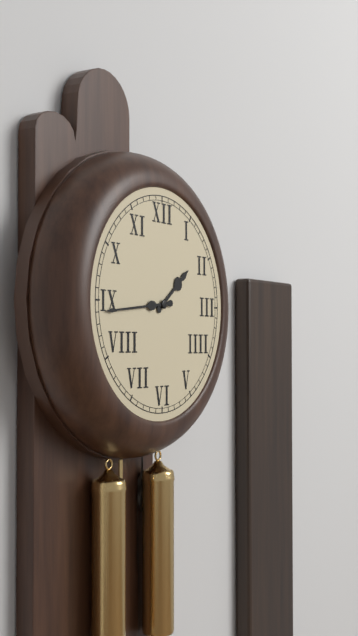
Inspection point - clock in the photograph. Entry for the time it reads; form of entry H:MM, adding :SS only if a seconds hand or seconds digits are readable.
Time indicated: 1:44
